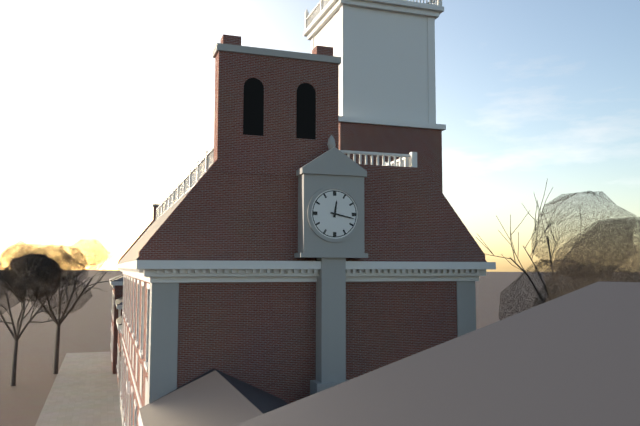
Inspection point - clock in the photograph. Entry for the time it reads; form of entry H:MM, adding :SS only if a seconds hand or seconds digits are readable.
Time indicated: 12:17
